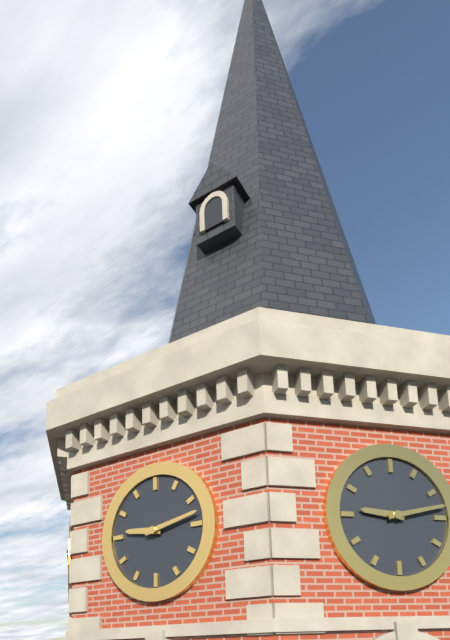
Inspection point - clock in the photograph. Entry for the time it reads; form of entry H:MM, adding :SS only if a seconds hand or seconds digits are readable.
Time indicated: 9:13
